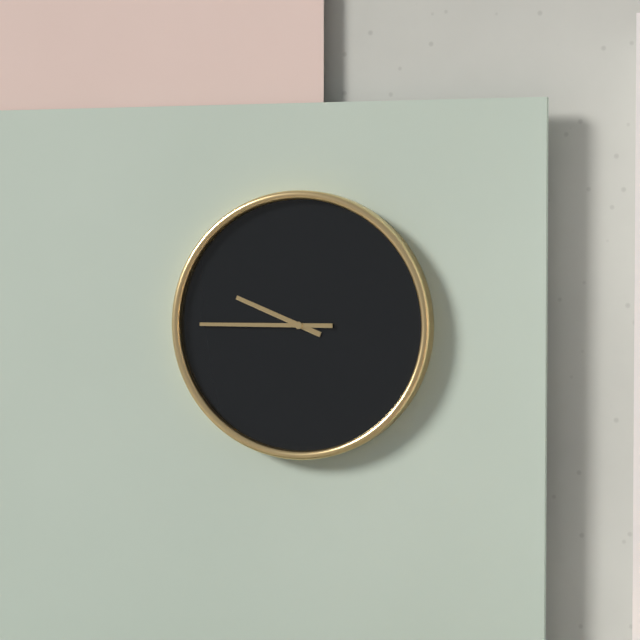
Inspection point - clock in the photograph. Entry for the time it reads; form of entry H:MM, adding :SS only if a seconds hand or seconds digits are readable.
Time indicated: 9:45
